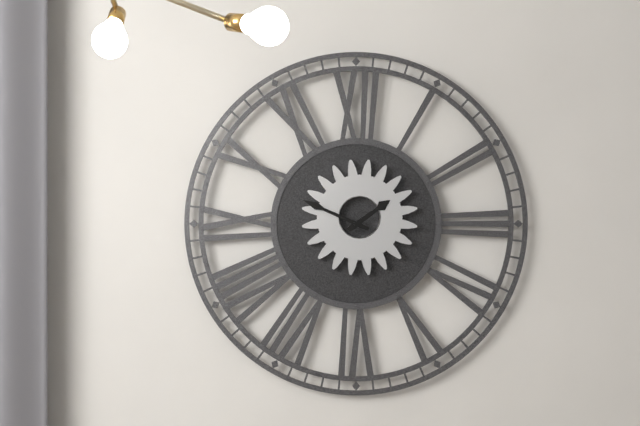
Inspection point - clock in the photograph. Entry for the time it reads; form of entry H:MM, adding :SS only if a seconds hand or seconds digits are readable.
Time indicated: 1:49
